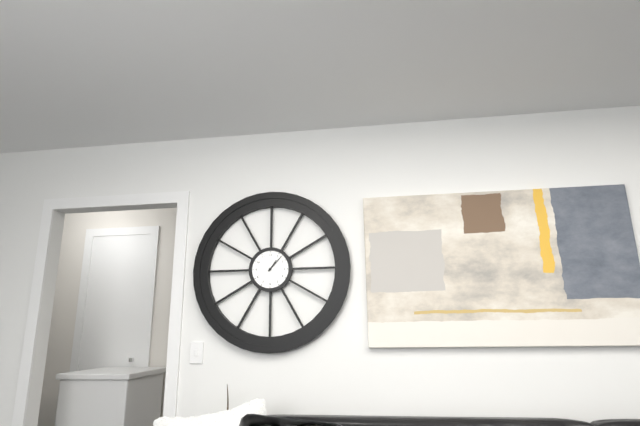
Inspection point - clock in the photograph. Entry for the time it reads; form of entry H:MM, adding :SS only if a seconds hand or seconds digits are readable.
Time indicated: 1:07
